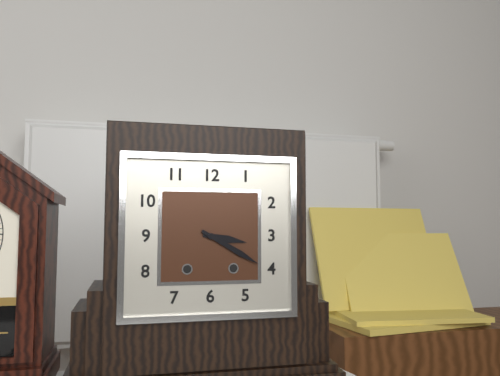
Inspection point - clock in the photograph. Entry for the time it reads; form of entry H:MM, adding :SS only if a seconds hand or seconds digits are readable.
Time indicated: 3:20
